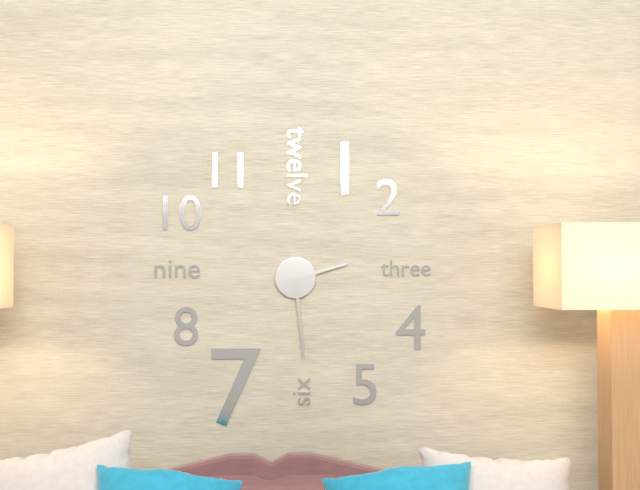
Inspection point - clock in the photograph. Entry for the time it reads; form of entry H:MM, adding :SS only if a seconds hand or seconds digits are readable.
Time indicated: 2:29
